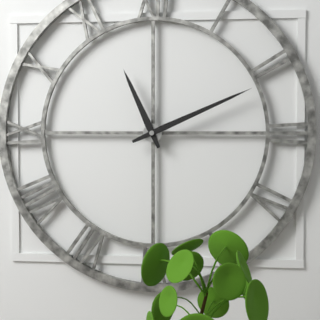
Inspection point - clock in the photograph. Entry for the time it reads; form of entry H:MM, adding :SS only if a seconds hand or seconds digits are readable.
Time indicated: 11:11
